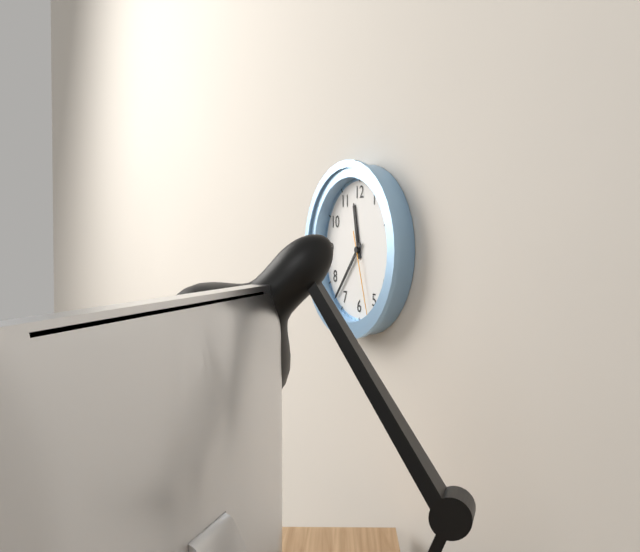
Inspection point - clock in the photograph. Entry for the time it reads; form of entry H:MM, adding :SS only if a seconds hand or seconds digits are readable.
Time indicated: 11:37:27
